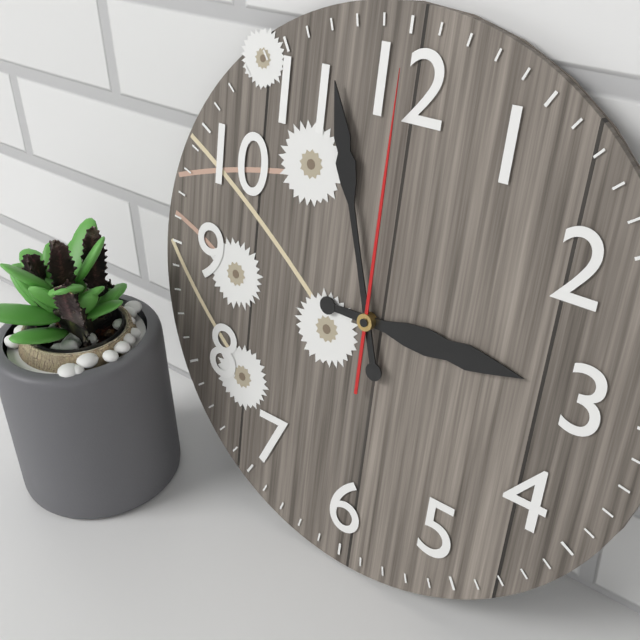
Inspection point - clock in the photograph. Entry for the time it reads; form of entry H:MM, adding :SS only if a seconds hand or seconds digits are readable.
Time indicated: 2:57:00
